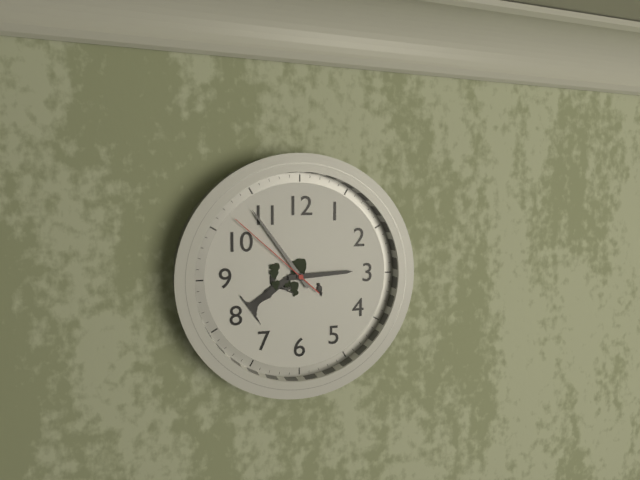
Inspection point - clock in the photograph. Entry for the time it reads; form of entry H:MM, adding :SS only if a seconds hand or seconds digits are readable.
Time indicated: 2:54:52
